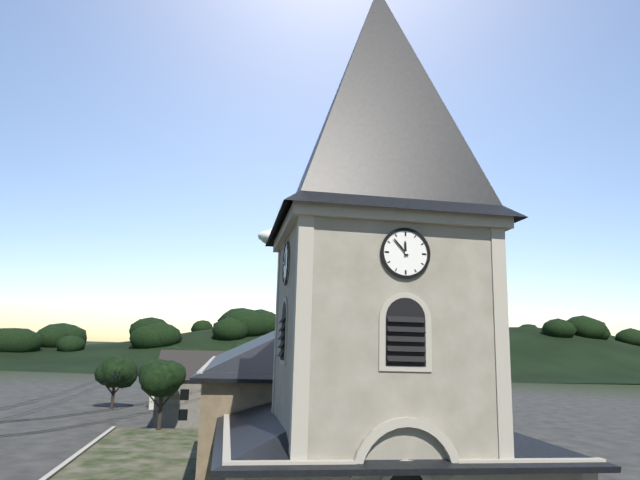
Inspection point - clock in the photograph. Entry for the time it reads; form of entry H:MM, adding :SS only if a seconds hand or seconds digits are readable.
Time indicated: 11:53
